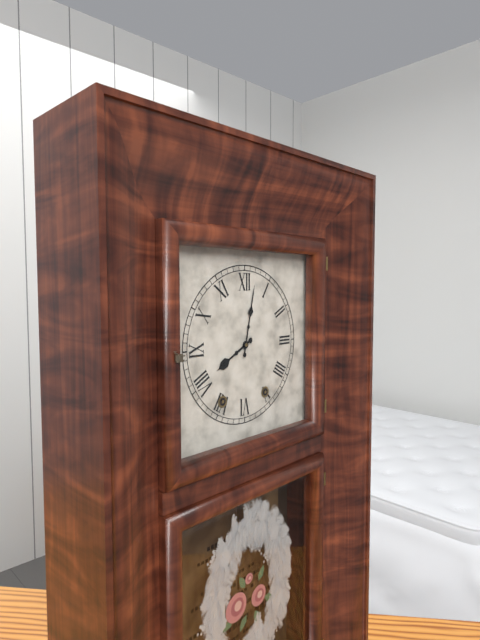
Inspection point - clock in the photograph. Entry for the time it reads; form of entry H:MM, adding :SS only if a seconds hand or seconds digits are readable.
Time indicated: 8:02
